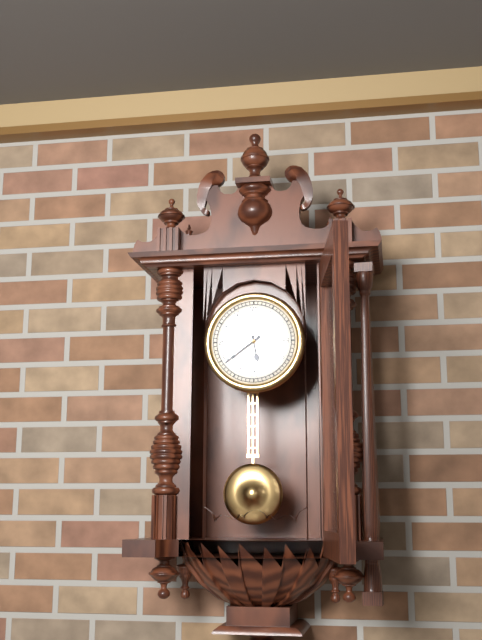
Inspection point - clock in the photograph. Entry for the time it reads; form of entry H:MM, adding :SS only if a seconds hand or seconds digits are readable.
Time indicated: 5:39
